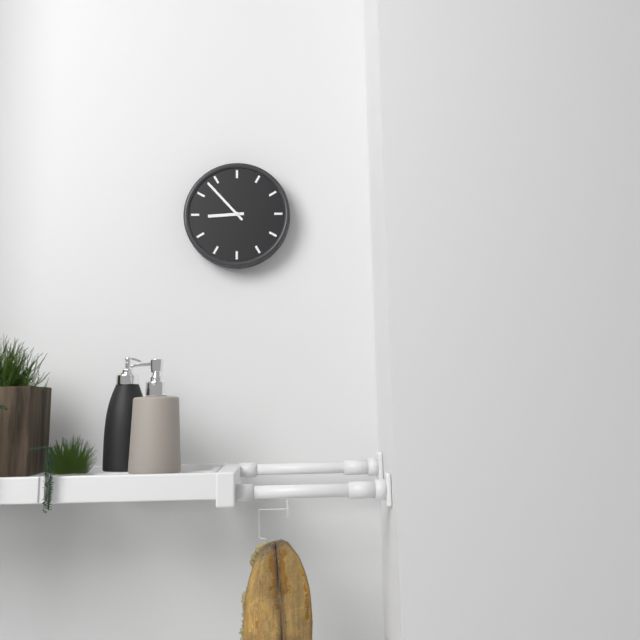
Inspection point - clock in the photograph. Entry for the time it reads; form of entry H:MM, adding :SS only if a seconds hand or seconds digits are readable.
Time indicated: 8:53
